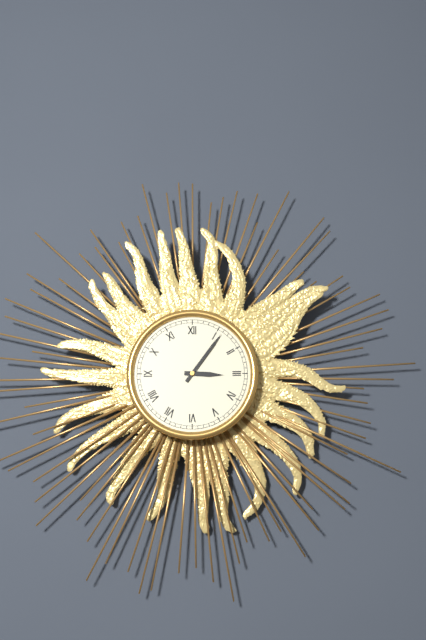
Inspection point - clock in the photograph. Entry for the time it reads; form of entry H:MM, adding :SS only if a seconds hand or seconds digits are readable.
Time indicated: 3:06
